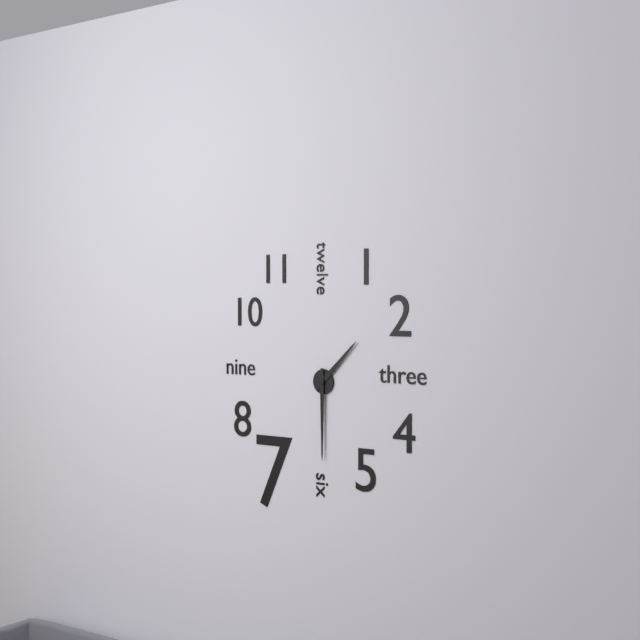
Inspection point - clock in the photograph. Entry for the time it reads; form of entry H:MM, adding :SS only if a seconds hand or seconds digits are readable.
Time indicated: 1:30
